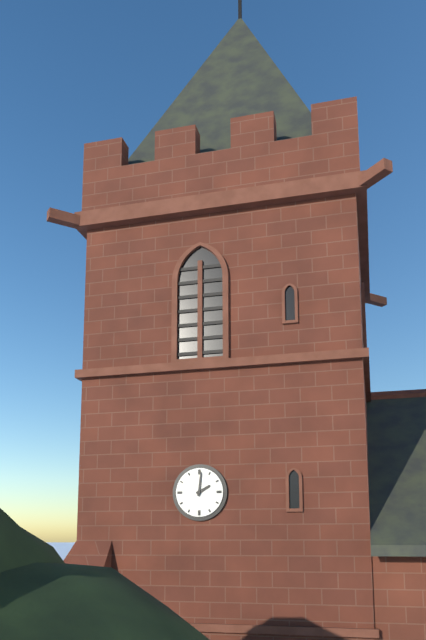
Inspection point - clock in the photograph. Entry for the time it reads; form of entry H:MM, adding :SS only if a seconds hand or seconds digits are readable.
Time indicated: 2:01
